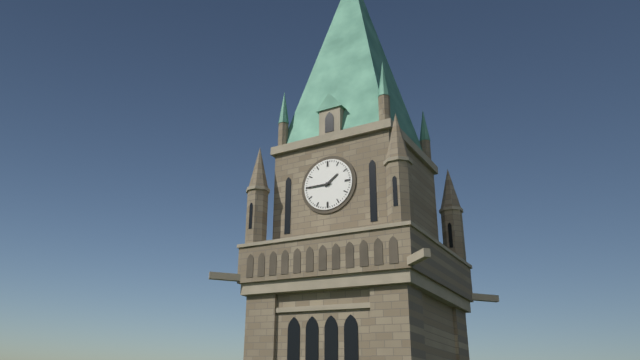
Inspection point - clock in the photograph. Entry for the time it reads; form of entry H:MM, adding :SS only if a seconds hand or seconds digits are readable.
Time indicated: 1:45
